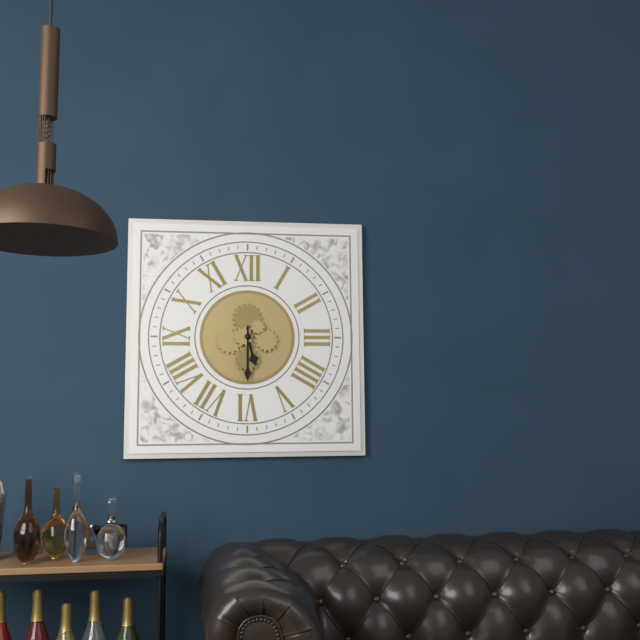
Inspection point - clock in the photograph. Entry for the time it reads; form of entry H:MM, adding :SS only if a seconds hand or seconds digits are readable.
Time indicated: 5:30
